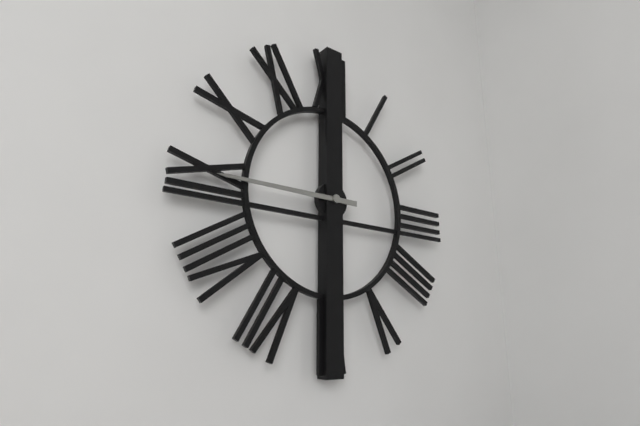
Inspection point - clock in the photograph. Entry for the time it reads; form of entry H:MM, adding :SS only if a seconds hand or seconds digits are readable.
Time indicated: 11:45
